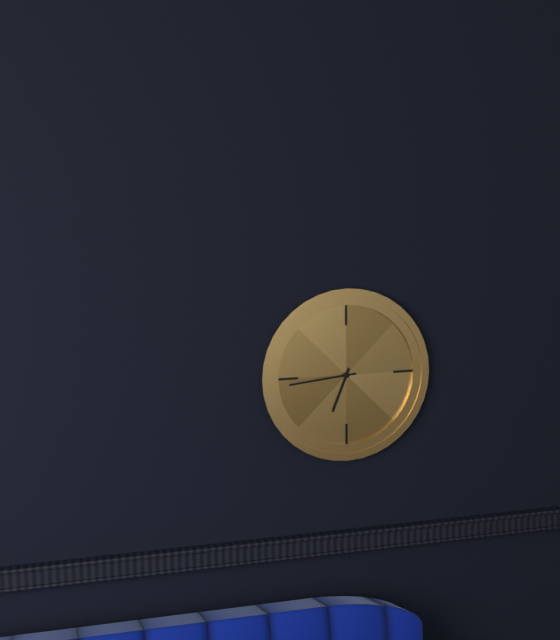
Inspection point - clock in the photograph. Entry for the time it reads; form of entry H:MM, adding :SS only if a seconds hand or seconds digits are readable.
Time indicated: 6:44
